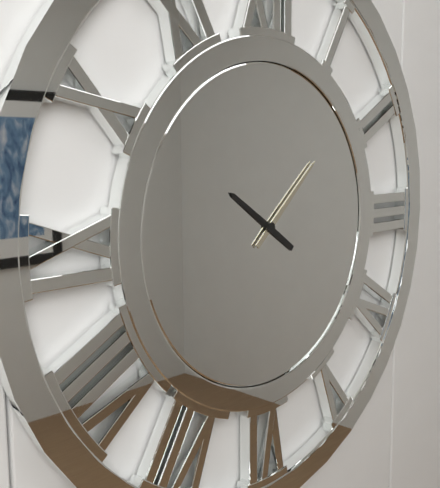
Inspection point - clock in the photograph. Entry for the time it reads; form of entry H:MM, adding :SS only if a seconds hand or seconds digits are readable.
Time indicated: 10:08
